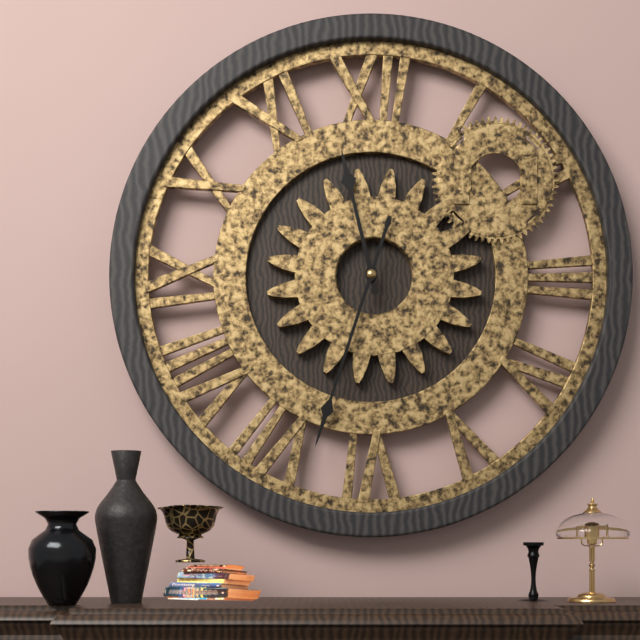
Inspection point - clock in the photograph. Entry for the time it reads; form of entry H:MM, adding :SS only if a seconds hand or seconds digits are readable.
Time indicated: 11:33
